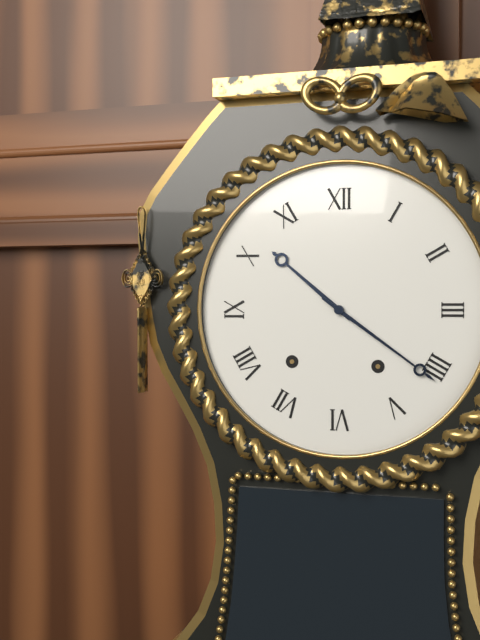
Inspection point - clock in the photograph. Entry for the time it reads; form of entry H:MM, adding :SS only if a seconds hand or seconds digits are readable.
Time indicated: 10:21
